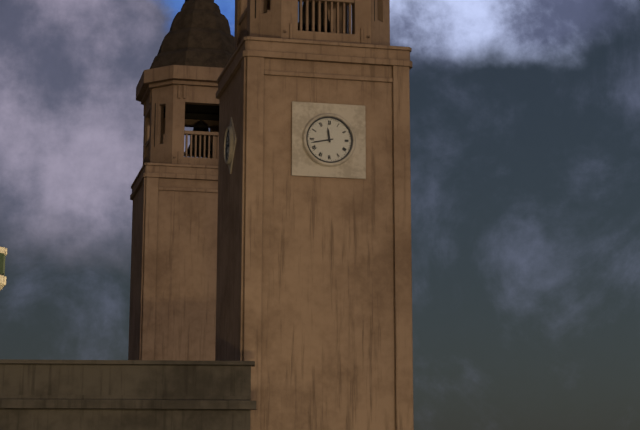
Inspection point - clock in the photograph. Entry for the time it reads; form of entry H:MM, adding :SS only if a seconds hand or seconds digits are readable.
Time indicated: 11:43
